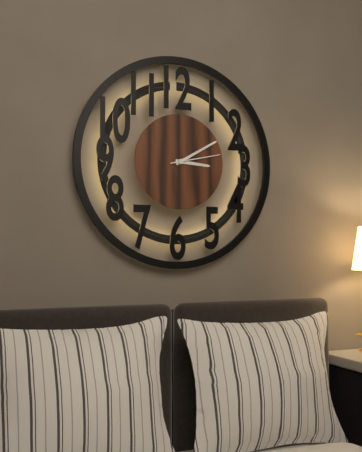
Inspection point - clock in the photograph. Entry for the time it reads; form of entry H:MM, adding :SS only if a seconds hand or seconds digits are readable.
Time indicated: 3:10:13
